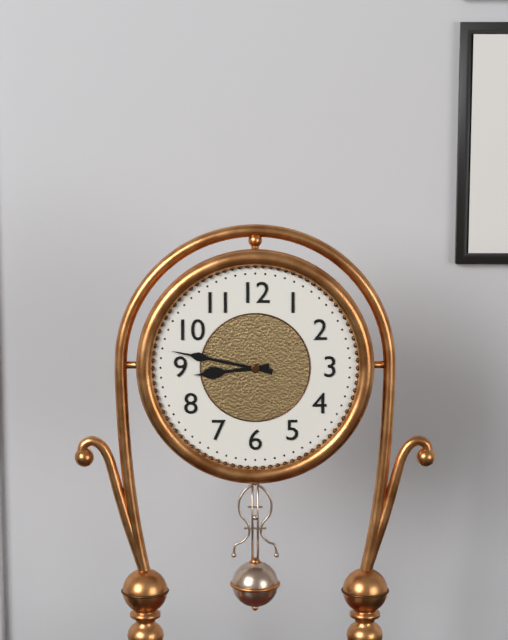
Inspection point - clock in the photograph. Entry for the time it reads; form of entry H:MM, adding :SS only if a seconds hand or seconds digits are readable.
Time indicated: 8:47
